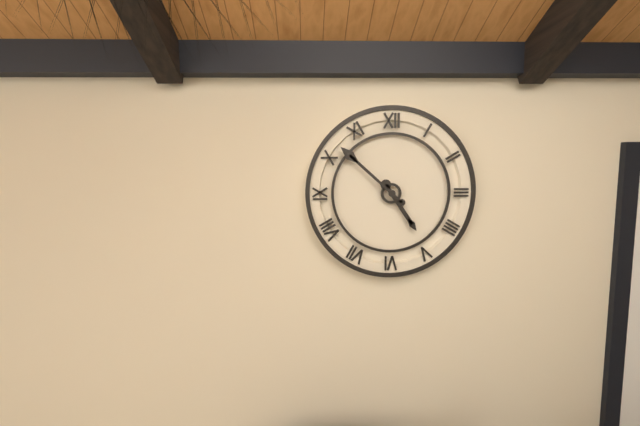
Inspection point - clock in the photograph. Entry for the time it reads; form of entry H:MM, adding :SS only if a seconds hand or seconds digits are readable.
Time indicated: 4:52
